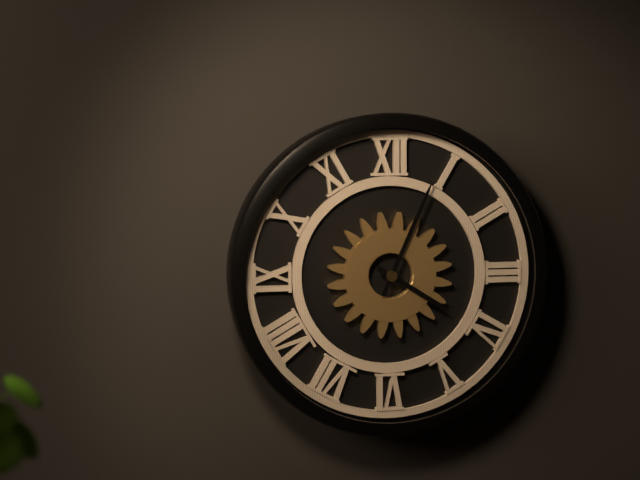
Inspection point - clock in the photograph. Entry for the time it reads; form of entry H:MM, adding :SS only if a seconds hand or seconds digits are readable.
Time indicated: 4:04
